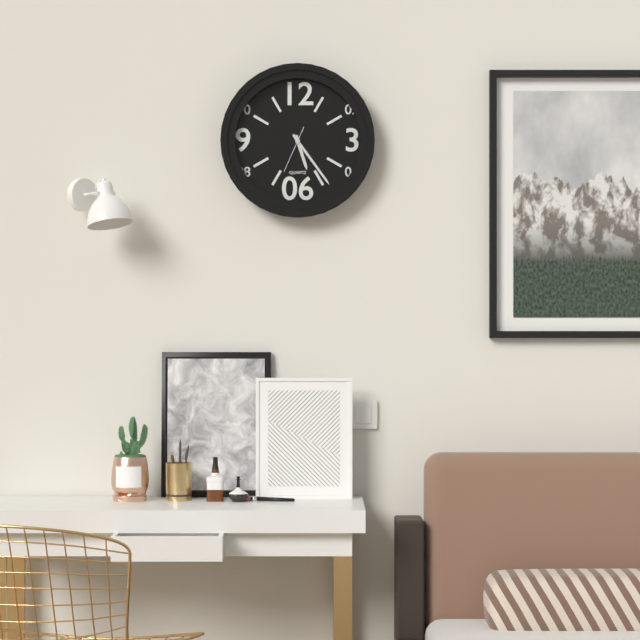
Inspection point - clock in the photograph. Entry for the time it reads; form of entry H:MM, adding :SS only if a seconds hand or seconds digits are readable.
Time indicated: 5:24
